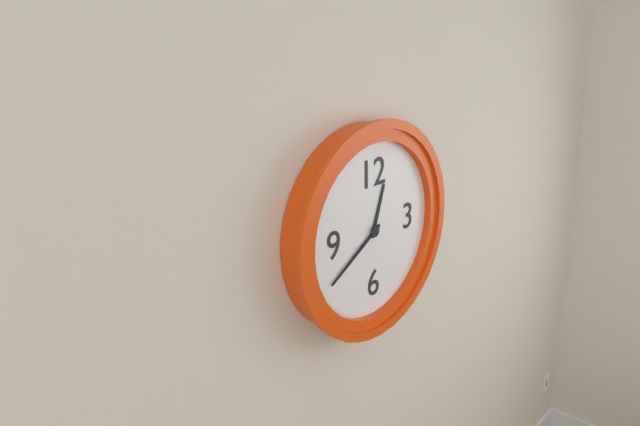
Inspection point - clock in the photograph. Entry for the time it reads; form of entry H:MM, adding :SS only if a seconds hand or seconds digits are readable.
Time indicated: 12:40
